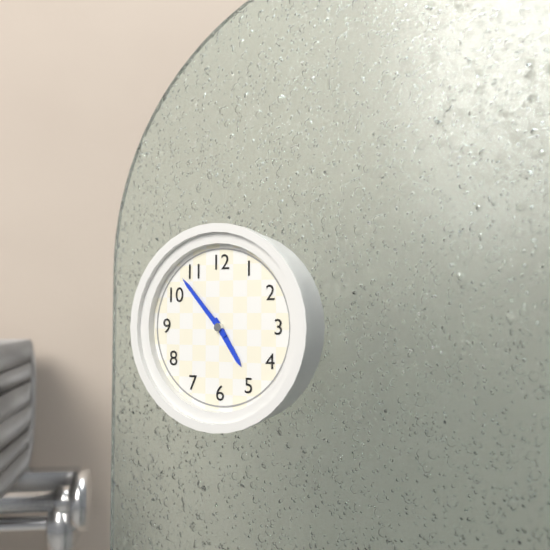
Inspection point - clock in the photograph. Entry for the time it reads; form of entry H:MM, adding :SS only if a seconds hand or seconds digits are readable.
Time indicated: 4:53
